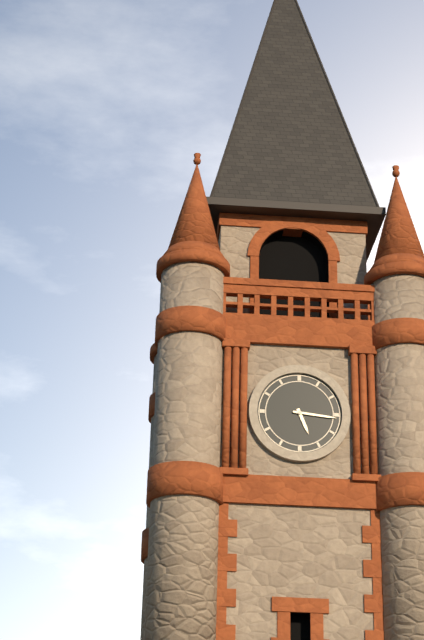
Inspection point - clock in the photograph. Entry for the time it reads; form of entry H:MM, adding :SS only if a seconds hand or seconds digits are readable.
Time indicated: 5:16
